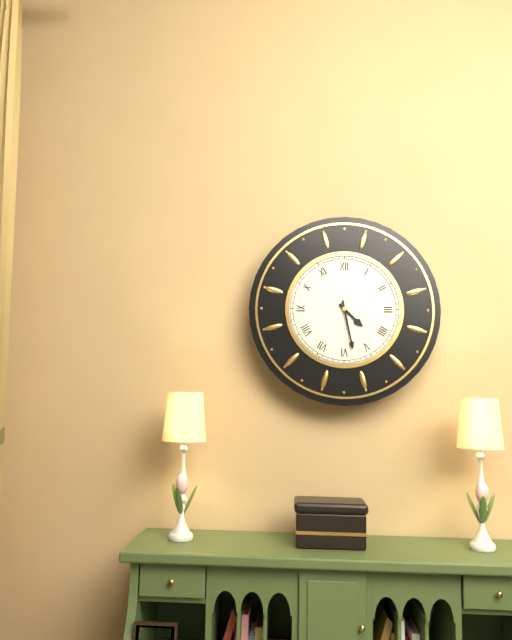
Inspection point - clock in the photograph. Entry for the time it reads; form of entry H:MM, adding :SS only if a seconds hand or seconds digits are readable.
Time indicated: 4:28
